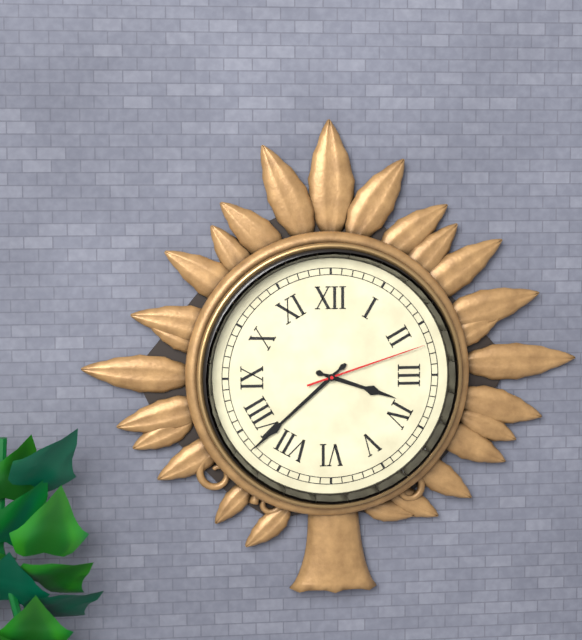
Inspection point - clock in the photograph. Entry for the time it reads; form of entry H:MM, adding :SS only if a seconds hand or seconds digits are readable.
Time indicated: 3:38:12
